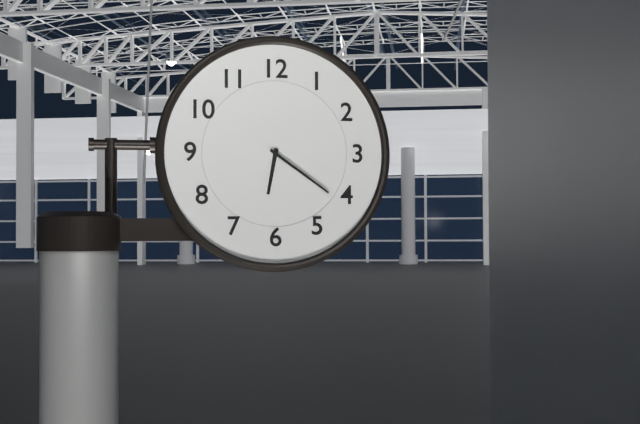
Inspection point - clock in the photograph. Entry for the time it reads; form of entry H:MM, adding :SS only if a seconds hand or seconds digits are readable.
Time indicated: 6:21
